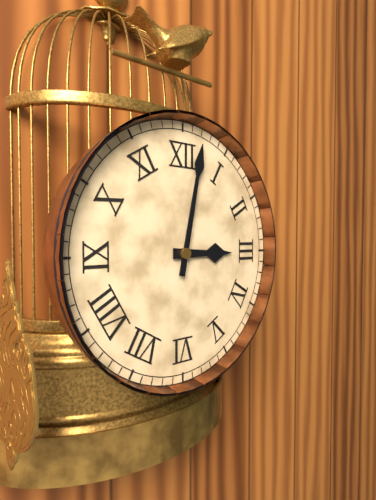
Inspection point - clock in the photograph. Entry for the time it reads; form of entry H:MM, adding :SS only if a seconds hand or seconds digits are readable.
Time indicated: 3:02
